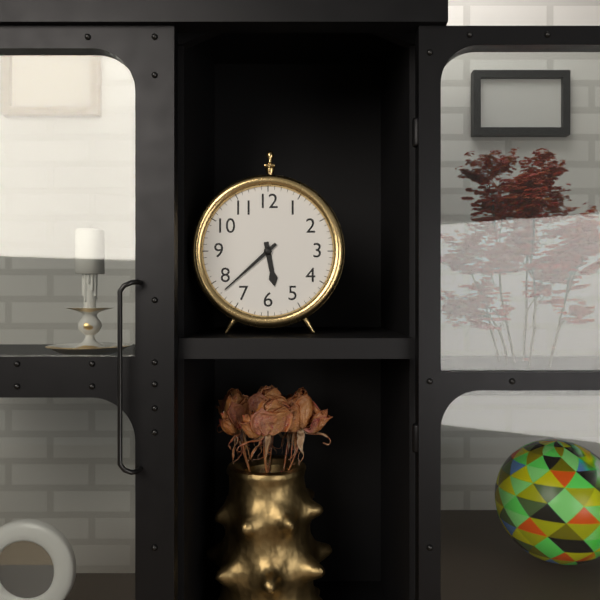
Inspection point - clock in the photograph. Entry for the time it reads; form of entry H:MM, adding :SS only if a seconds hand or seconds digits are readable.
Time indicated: 5:38
